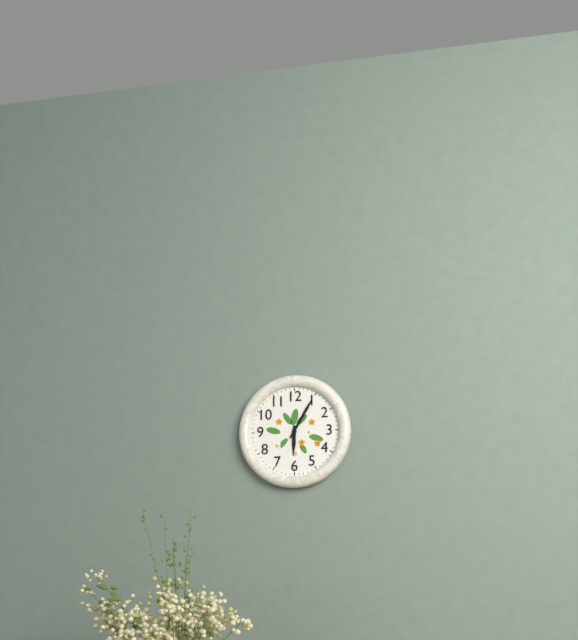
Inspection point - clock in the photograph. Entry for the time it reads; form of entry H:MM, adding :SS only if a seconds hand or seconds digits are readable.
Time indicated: 6:05
